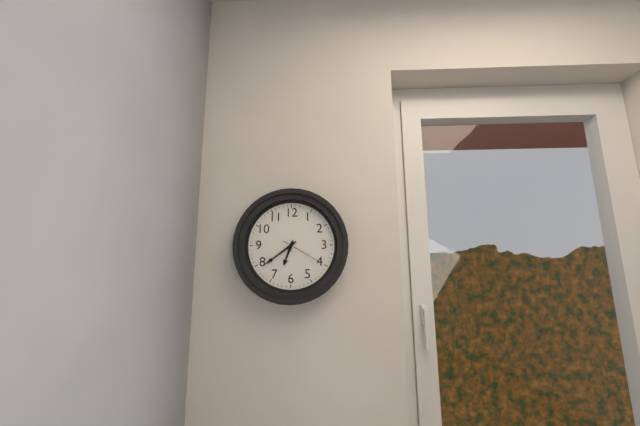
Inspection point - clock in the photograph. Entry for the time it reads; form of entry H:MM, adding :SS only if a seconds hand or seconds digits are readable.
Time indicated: 6:39
